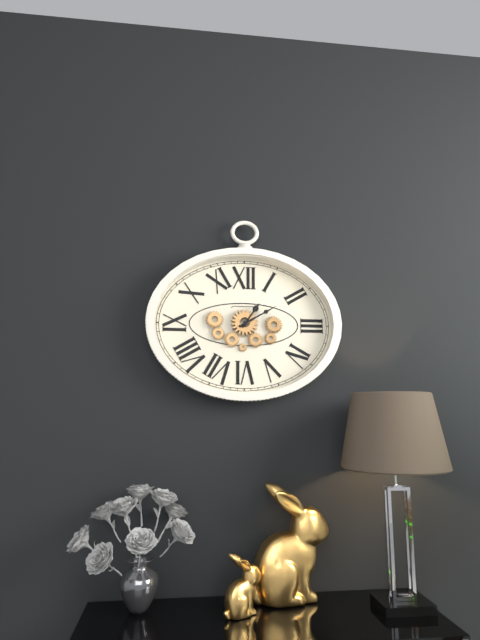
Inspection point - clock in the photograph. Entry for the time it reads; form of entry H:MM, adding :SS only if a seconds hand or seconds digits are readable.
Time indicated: 1:10
